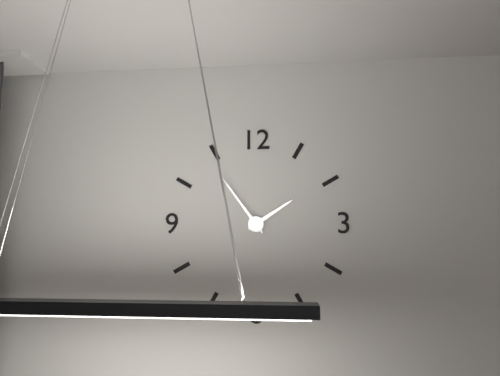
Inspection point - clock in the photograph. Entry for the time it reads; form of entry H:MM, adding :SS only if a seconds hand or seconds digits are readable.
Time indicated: 1:54
